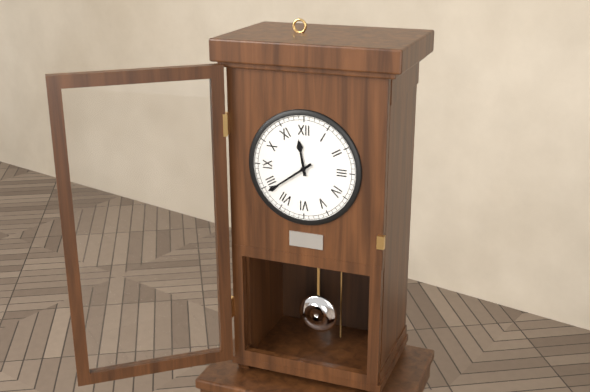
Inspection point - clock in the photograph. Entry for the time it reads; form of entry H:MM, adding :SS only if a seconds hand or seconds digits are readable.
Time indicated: 11:39
